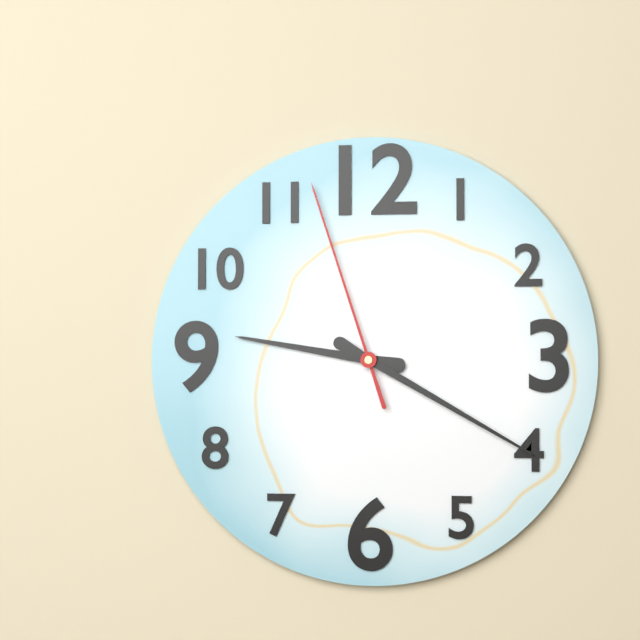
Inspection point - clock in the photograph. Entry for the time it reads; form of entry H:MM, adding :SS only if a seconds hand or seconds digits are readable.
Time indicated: 9:20:57
